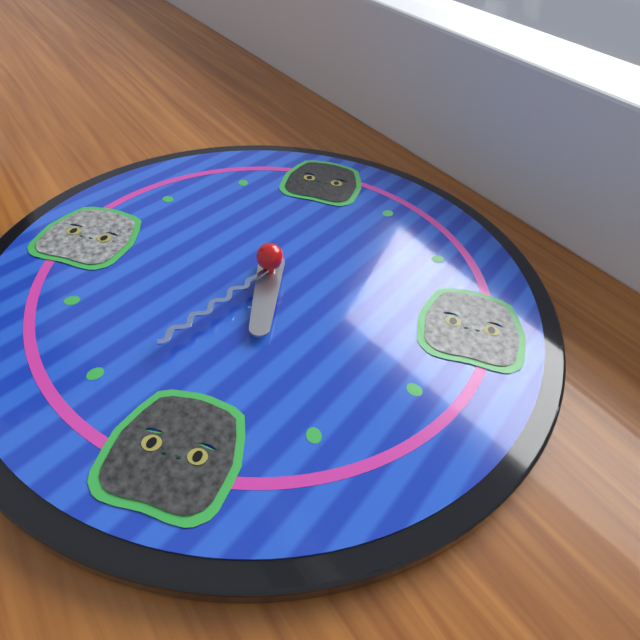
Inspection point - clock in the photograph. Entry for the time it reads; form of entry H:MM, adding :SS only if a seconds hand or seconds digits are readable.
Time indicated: 5:34
